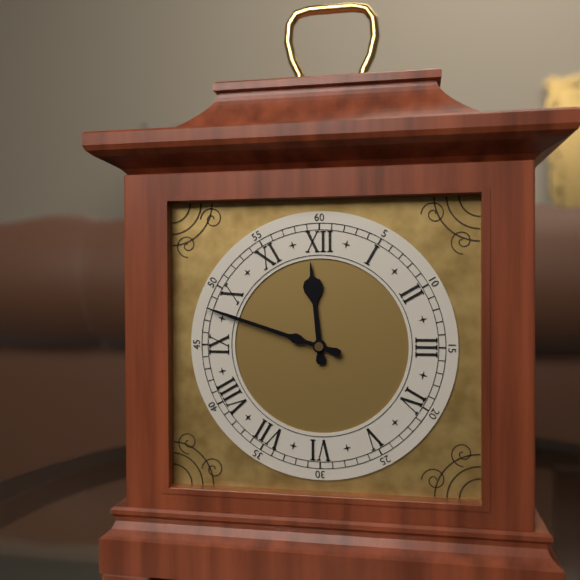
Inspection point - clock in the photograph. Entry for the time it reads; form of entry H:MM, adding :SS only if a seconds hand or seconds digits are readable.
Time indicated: 11:48
